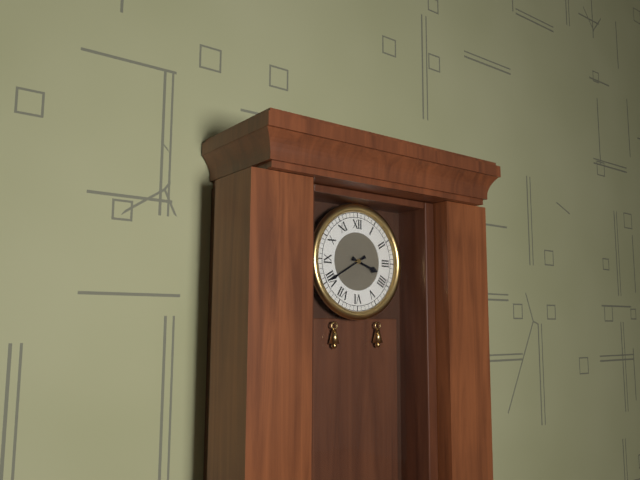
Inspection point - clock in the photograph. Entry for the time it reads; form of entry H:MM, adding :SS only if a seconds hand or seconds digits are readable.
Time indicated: 3:40
